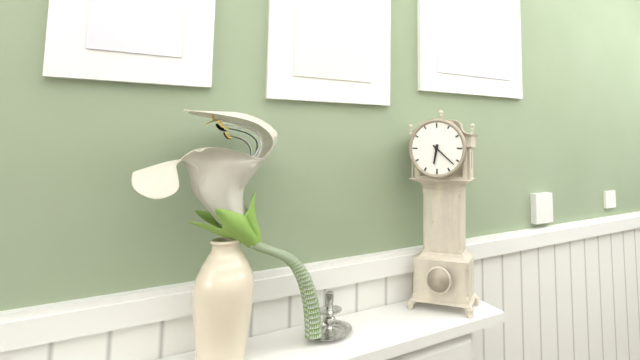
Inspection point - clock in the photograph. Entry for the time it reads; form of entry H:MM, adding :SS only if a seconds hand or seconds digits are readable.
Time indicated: 6:22
